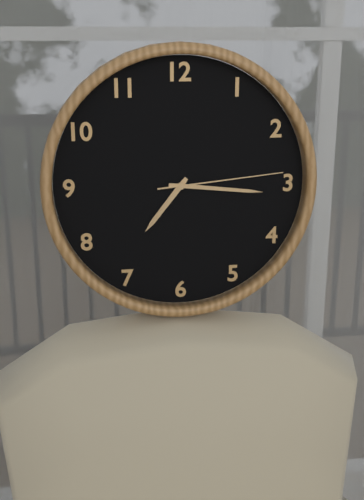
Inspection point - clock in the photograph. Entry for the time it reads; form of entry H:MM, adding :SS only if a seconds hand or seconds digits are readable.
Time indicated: 7:16:14
